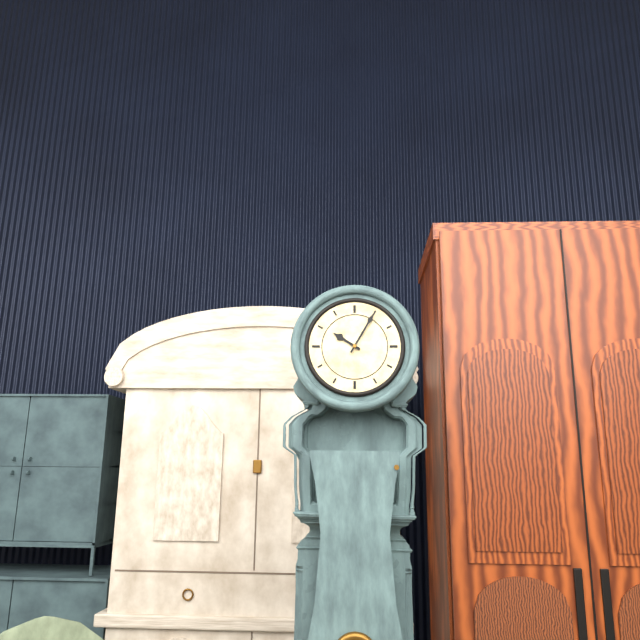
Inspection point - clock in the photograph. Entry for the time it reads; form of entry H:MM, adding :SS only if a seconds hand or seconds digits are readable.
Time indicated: 10:05
